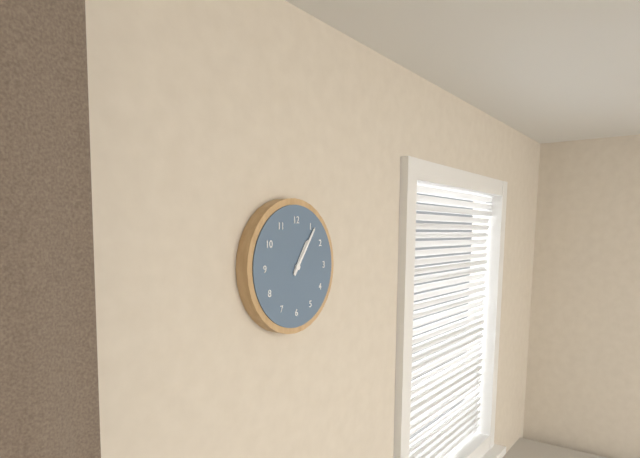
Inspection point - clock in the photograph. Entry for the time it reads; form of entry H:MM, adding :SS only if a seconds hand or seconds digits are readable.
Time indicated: 1:06
